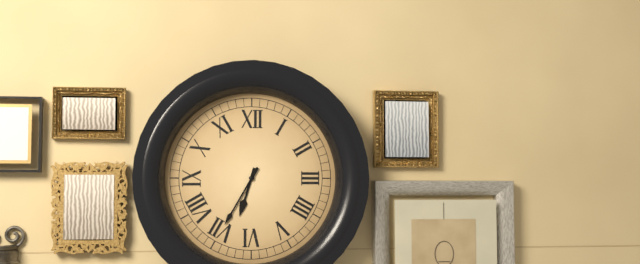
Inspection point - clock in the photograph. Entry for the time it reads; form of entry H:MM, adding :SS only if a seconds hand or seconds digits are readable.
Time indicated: 6:35
